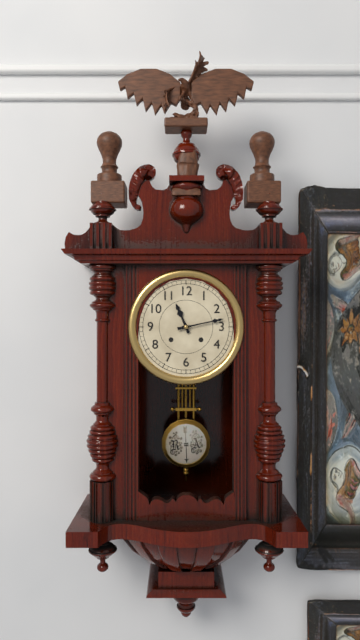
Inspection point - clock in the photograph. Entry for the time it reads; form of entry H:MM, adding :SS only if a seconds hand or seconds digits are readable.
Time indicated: 11:13
